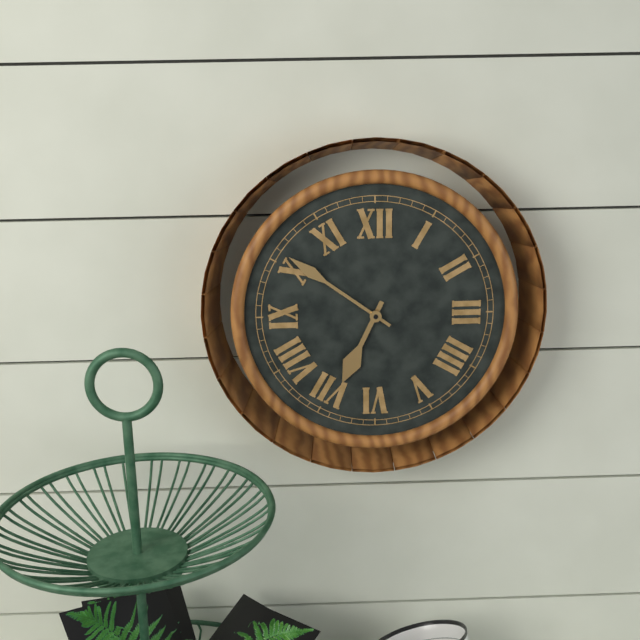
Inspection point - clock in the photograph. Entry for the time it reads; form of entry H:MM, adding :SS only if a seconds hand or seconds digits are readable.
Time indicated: 6:51
